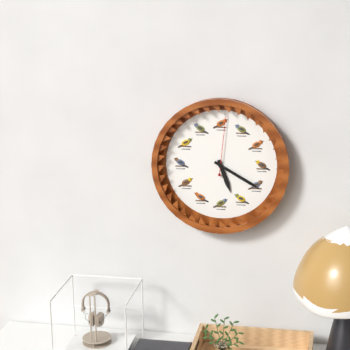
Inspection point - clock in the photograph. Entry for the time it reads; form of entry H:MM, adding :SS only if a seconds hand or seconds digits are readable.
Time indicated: 5:20:01
